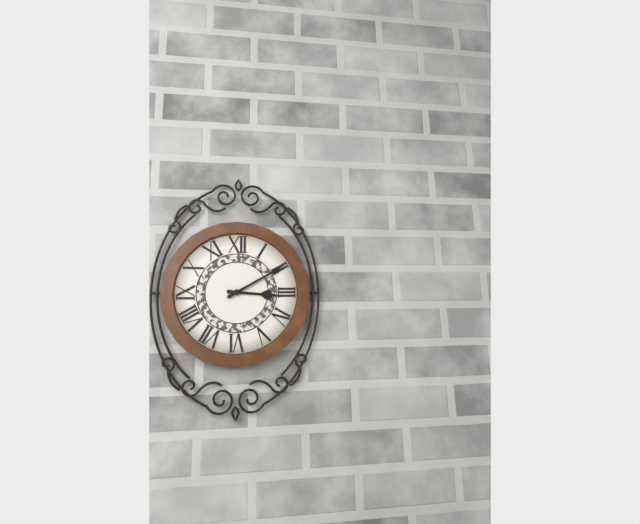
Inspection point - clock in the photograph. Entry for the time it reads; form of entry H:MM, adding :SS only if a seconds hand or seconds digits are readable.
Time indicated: 3:10
